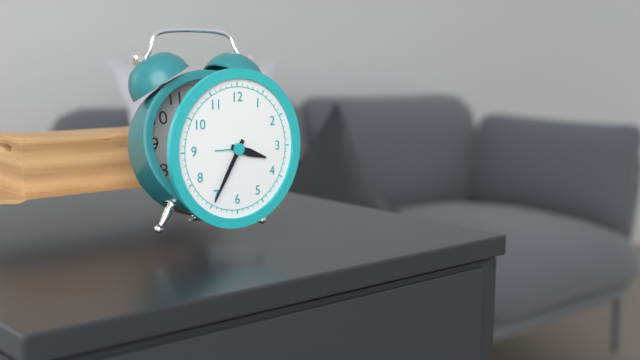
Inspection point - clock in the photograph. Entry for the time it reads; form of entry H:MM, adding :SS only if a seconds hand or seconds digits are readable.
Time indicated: 3:35
